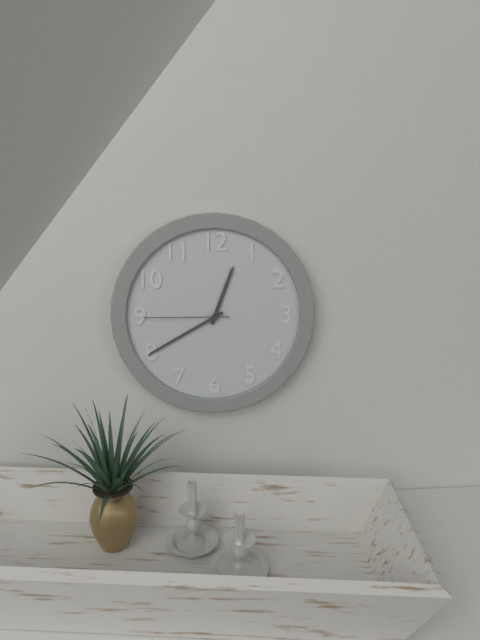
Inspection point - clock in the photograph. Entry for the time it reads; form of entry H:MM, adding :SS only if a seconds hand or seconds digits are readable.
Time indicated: 12:40:45
